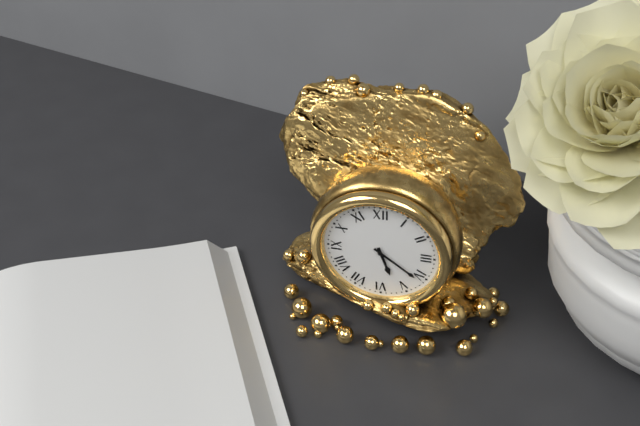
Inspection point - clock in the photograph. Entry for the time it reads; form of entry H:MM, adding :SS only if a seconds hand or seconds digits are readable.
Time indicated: 5:21
